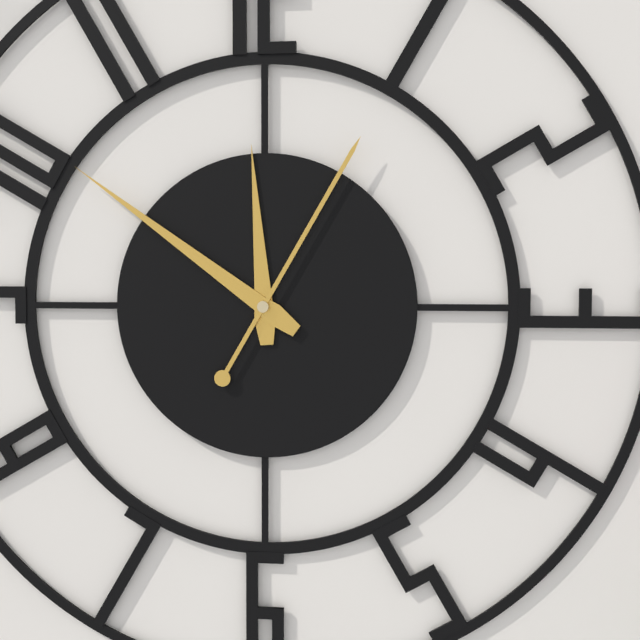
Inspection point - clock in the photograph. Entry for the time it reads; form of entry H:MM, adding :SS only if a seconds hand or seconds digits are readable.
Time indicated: 11:51:05
